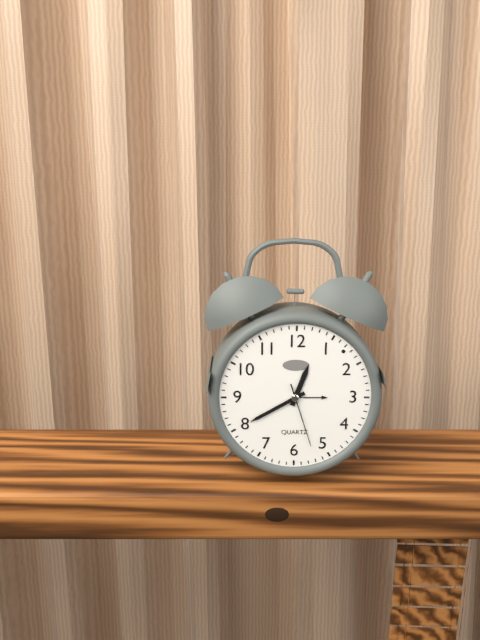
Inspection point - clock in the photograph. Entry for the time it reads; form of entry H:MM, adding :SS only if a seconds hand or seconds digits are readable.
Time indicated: 12:40:27
